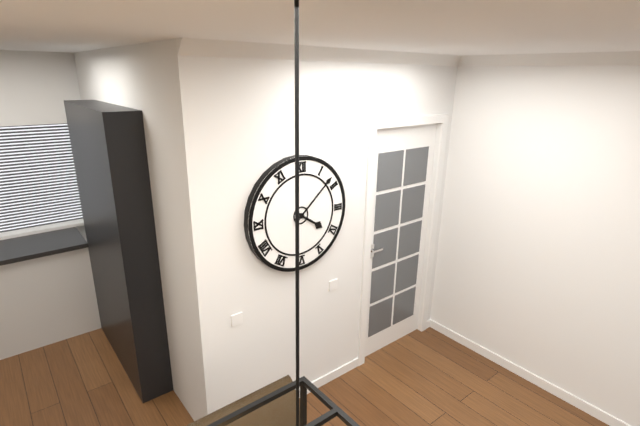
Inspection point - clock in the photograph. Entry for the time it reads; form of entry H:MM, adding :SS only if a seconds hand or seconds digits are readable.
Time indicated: 4:08
